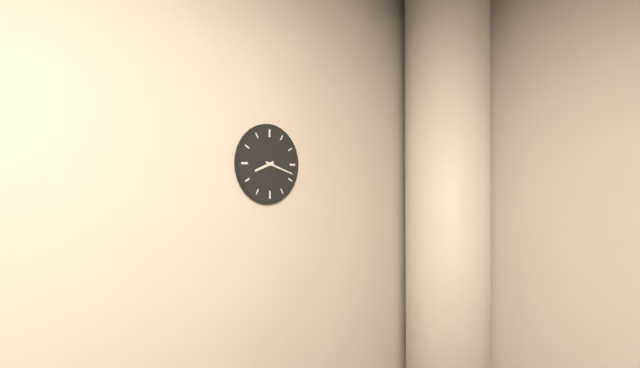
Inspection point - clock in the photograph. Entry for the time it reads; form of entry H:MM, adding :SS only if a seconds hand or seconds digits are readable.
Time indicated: 8:18
